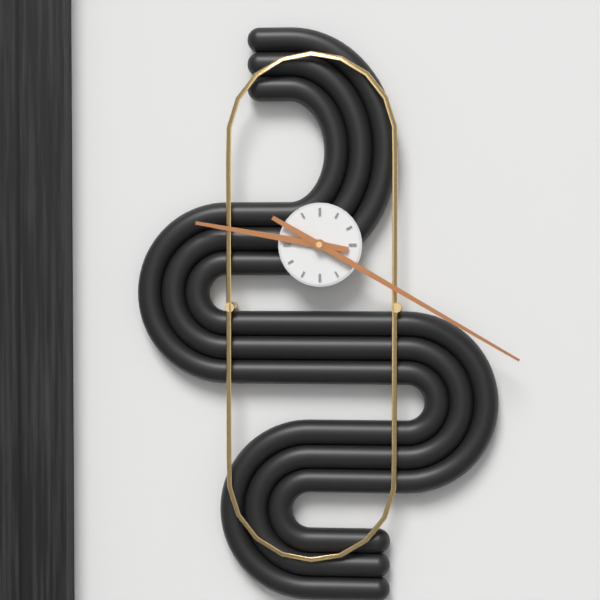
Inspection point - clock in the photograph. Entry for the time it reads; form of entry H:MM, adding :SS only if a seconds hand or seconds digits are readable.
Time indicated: 9:20
